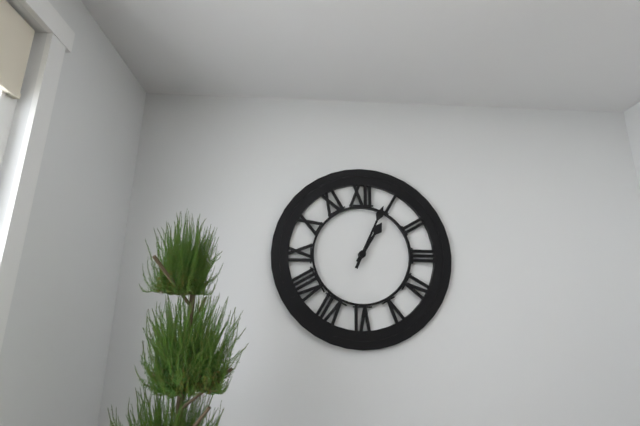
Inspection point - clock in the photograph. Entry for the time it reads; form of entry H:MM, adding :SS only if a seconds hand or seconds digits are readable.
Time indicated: 1:04
